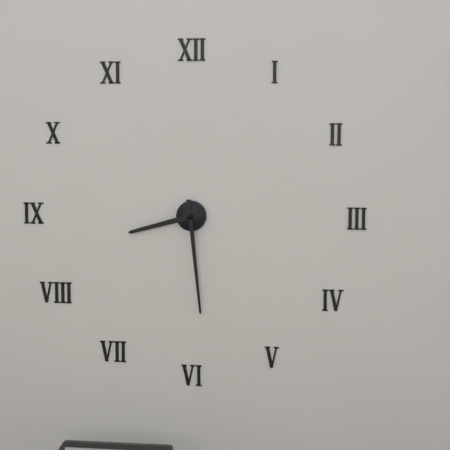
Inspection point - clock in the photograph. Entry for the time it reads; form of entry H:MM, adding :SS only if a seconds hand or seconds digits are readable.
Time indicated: 8:29
